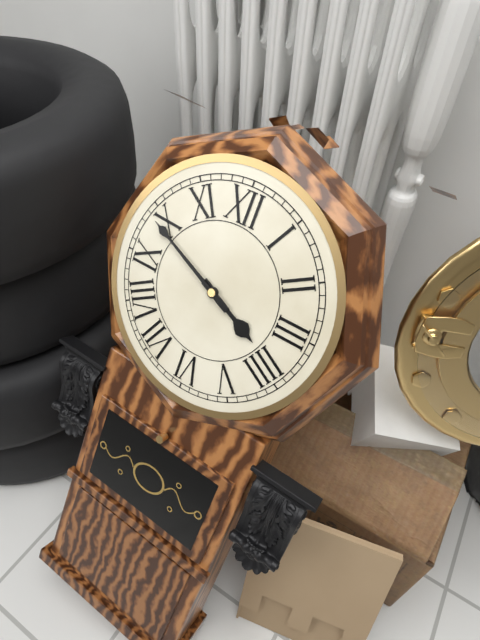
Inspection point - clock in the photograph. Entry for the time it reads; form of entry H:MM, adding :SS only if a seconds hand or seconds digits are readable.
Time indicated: 3:49
